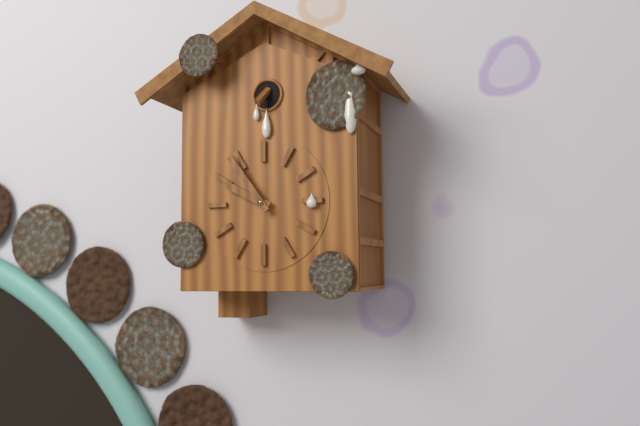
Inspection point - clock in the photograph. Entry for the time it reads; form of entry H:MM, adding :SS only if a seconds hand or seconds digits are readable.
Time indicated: 9:54
